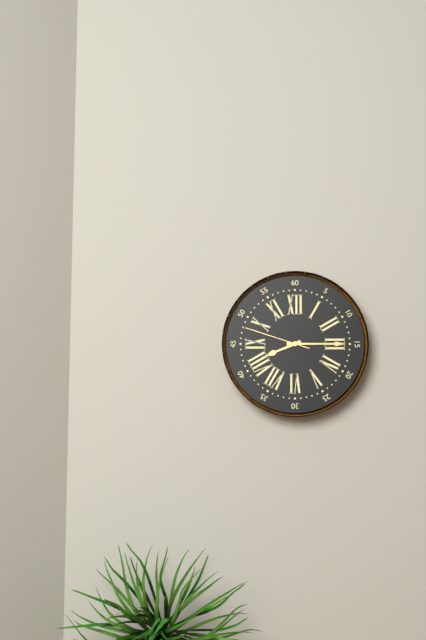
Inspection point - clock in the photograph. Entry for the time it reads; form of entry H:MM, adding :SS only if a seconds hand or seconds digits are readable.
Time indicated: 8:15:48
